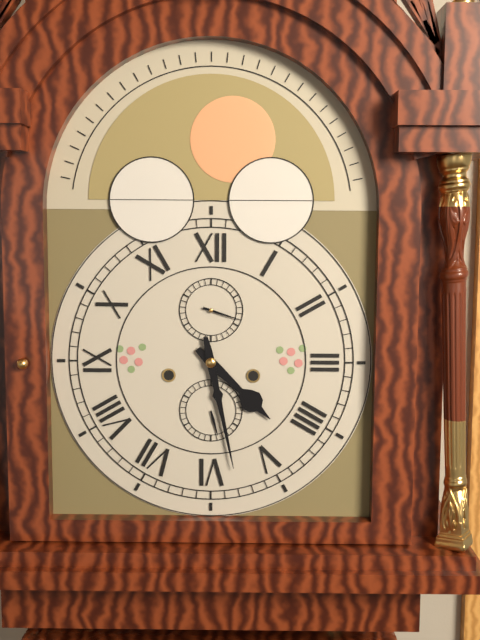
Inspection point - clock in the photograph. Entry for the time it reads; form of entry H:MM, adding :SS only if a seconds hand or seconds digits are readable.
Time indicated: 4:28
